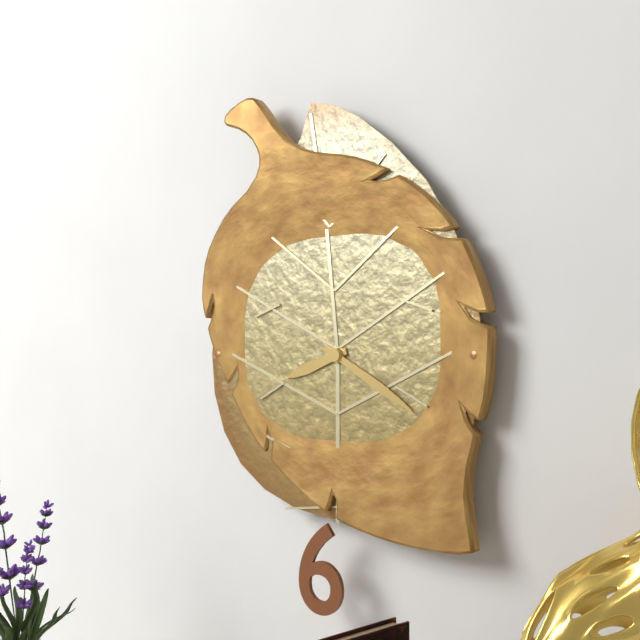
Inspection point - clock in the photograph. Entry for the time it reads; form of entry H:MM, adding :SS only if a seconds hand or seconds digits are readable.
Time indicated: 8:20
